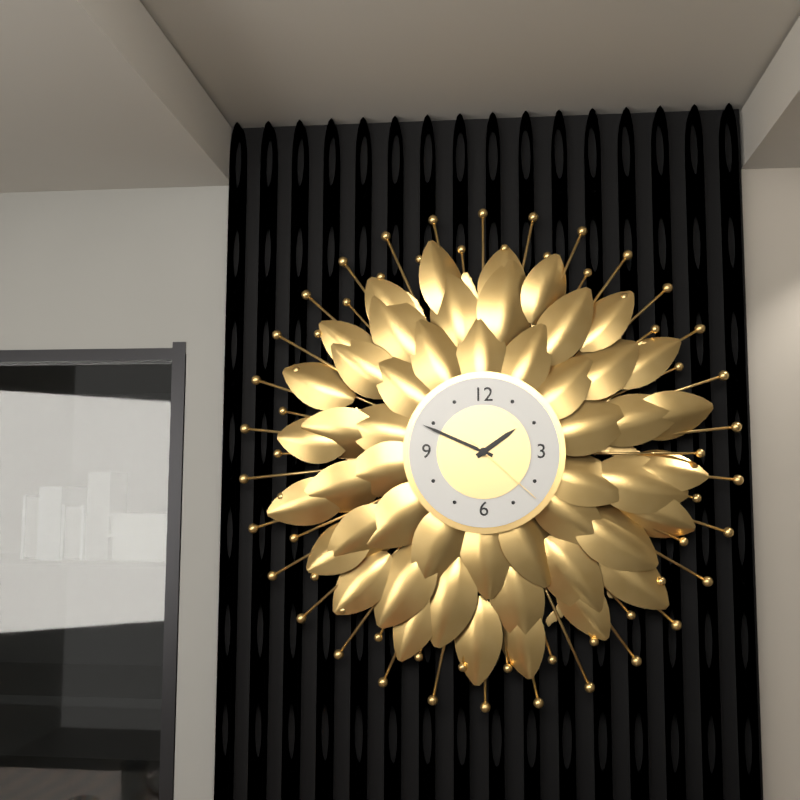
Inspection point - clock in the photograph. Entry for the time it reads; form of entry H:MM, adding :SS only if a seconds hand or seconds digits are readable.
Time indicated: 1:49:22
